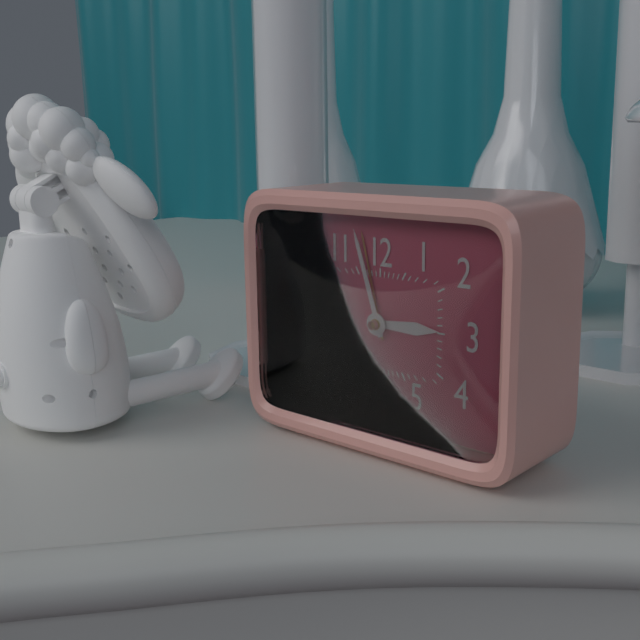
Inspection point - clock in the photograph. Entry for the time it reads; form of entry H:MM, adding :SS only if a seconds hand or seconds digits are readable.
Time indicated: 2:57
